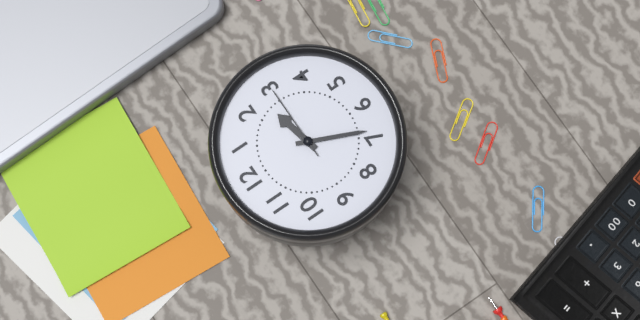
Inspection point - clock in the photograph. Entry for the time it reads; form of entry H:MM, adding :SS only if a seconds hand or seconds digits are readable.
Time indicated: 2:34:15
